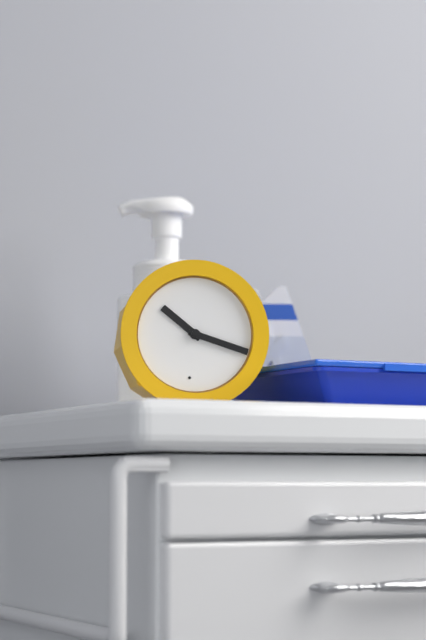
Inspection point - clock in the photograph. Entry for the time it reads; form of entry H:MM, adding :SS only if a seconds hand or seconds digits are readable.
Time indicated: 10:18
